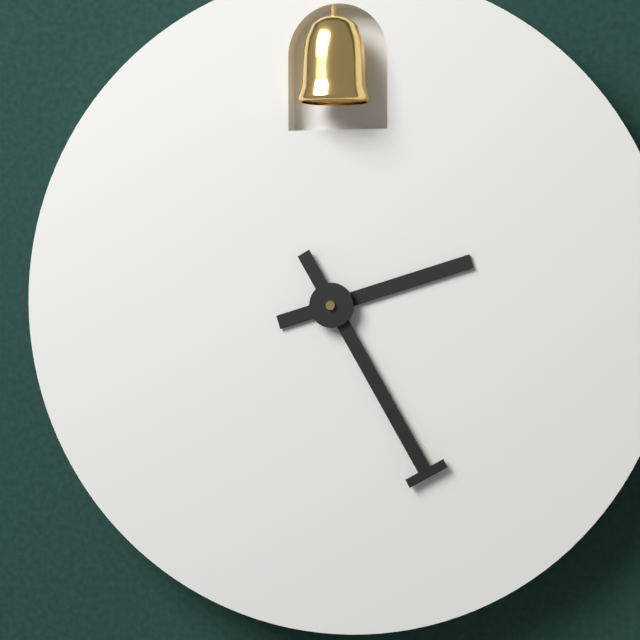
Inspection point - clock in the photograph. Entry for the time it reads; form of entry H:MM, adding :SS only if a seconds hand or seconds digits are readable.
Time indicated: 2:25
